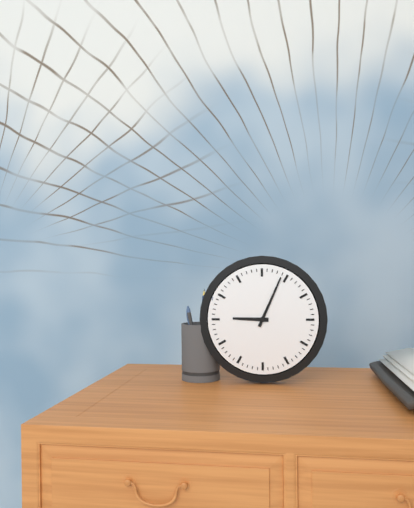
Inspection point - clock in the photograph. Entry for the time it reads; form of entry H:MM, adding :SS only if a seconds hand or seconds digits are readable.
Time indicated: 9:04
